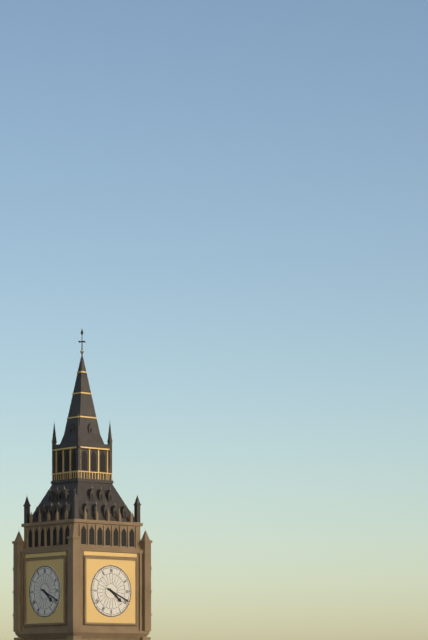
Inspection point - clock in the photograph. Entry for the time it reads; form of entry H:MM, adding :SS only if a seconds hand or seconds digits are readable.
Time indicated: 4:19
